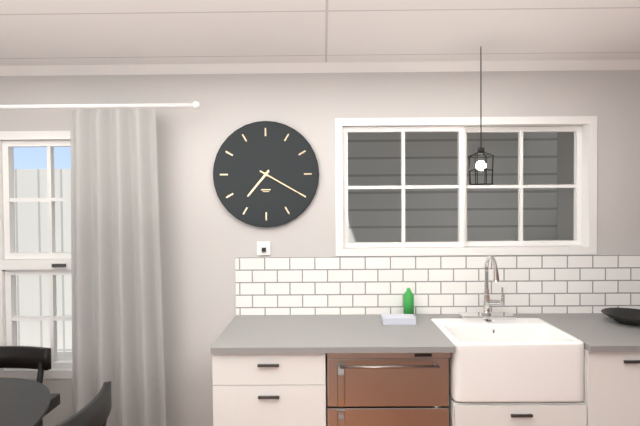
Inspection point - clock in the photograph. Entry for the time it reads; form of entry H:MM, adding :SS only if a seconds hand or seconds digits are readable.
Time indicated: 7:20
